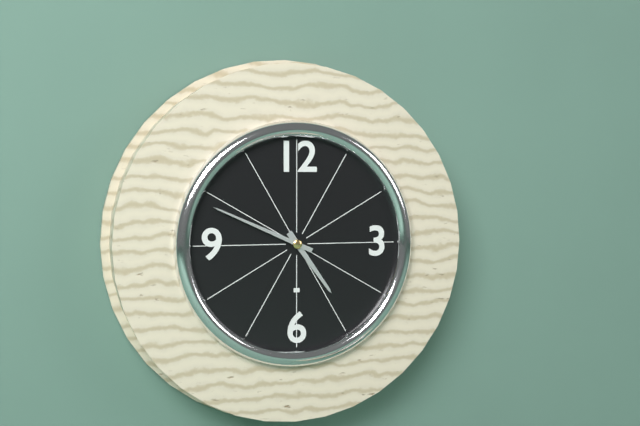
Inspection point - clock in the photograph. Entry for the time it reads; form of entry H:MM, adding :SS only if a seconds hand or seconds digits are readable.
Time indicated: 4:49
